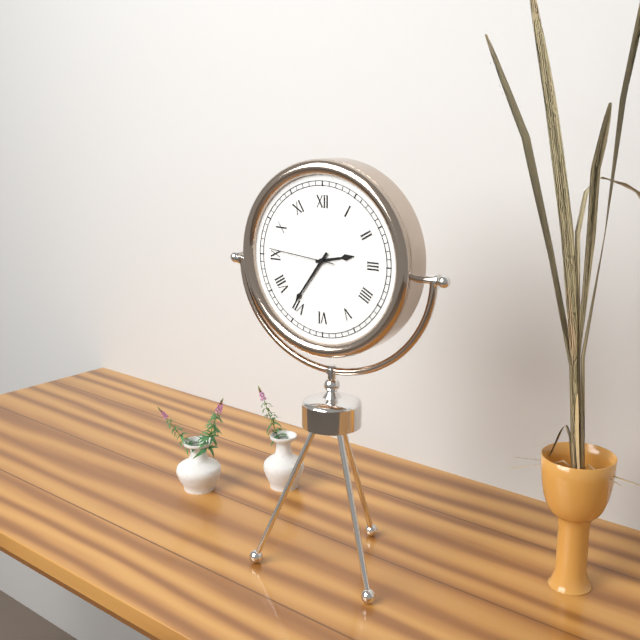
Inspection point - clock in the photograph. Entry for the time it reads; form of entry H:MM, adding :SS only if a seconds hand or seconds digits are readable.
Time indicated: 2:36:46
